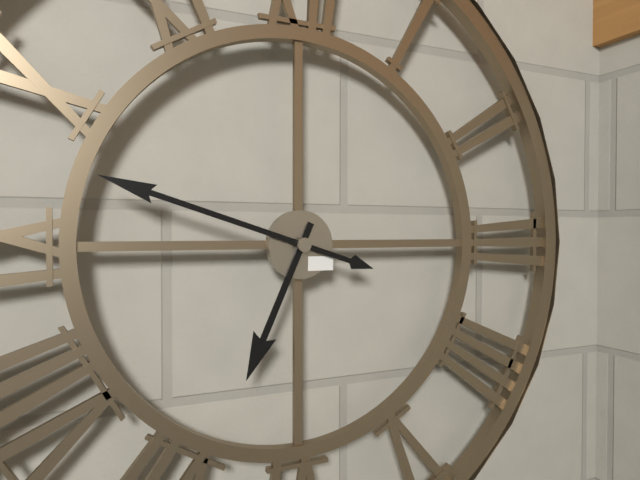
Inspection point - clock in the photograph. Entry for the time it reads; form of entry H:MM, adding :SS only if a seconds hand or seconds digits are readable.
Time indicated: 6:48
